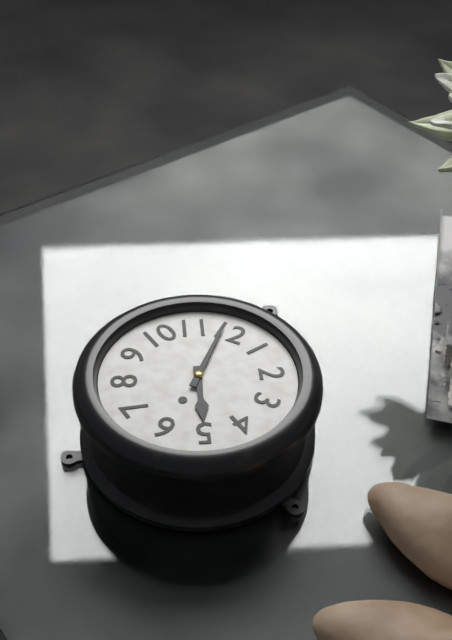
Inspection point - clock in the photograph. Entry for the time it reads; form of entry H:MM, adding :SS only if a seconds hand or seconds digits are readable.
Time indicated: 4:59
